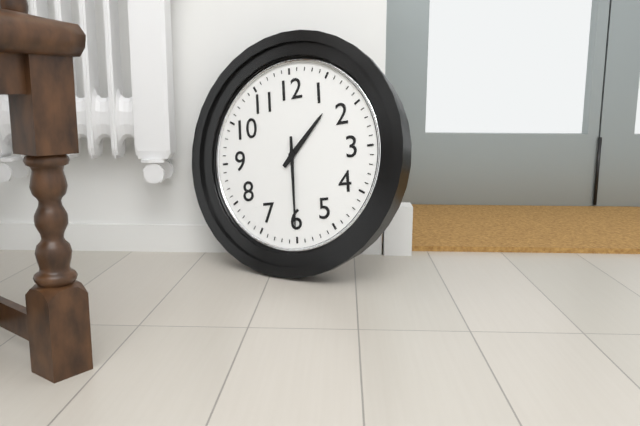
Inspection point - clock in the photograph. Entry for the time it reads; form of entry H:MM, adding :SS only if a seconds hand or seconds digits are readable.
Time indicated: 1:30
